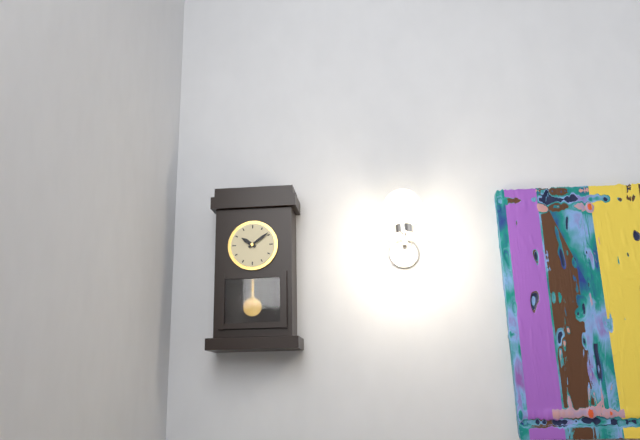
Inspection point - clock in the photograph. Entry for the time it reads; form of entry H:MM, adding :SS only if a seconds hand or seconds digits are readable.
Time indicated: 10:09
